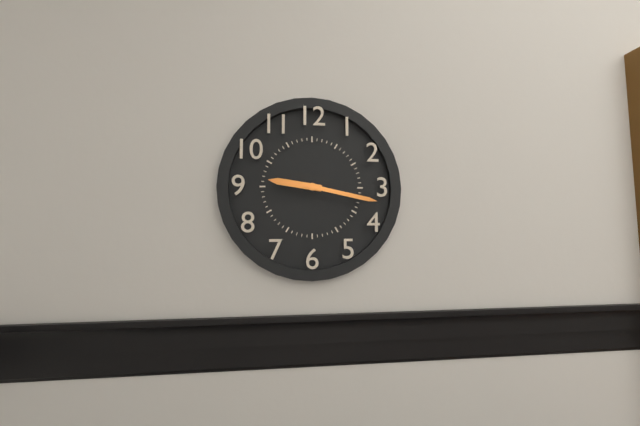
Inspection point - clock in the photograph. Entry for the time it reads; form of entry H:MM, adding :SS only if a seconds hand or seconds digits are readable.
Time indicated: 9:17
